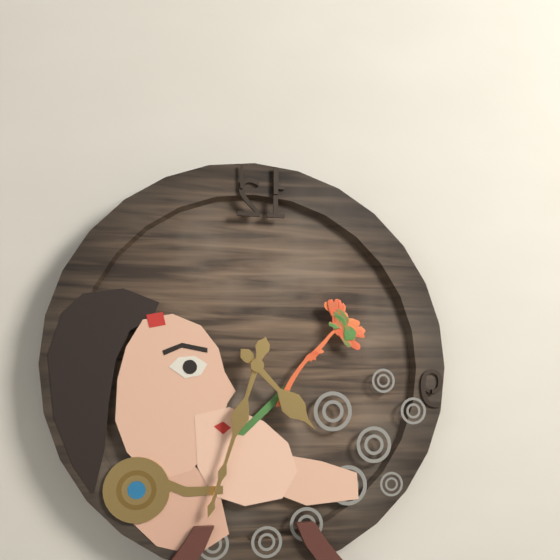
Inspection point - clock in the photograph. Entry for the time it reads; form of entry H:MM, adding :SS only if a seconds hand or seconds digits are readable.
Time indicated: 4:33
